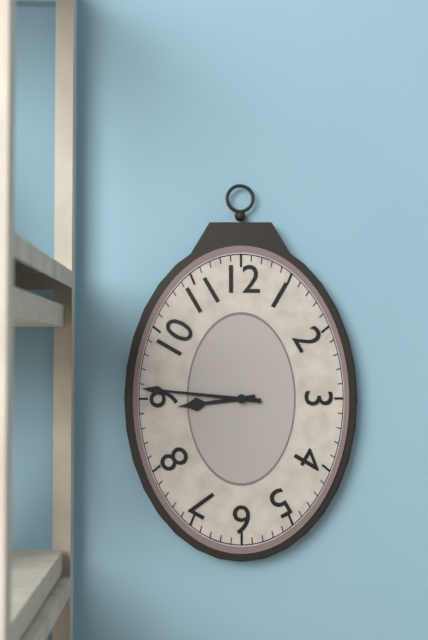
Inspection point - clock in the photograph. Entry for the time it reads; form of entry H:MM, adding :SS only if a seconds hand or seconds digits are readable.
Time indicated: 8:46
